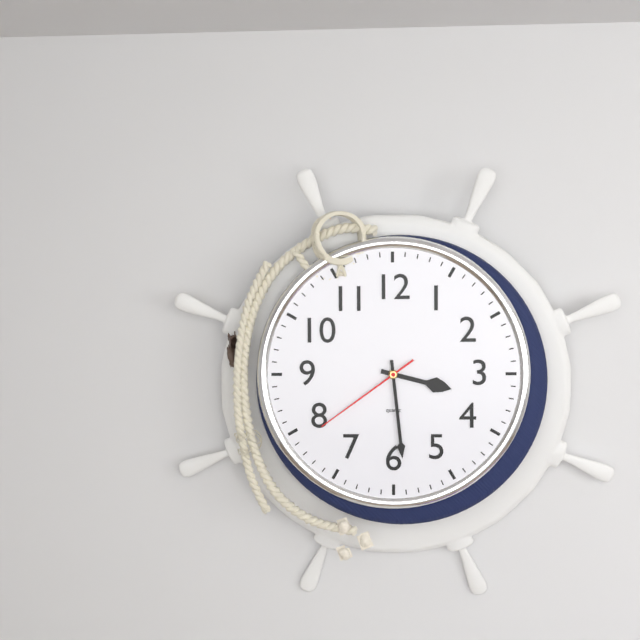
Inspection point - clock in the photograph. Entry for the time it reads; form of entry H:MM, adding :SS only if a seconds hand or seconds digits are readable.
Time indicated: 3:29:39
